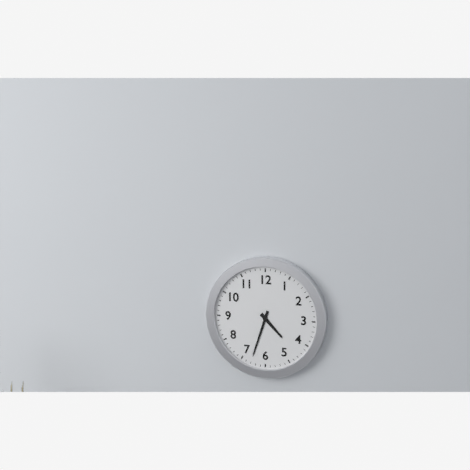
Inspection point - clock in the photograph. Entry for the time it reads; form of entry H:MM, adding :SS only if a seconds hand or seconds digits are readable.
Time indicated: 4:33
